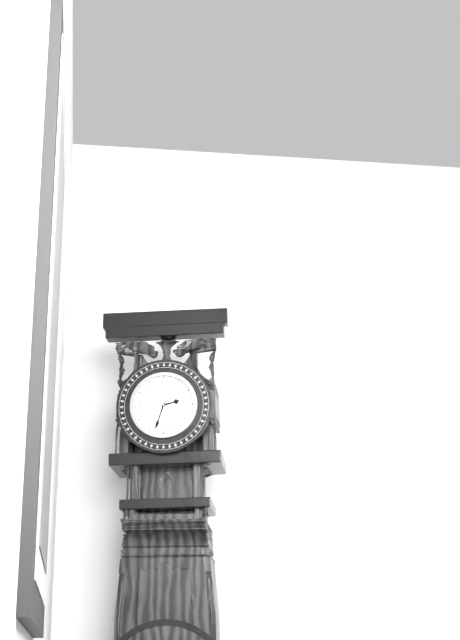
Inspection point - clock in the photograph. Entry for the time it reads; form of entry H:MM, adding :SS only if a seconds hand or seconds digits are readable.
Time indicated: 2:33
